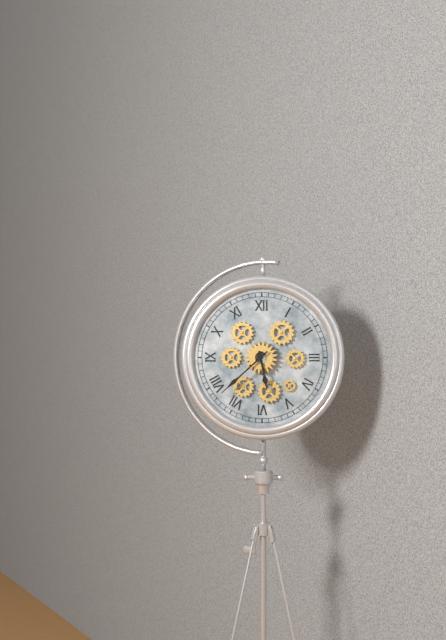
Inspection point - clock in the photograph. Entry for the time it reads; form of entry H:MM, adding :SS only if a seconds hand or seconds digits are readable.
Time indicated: 5:38
